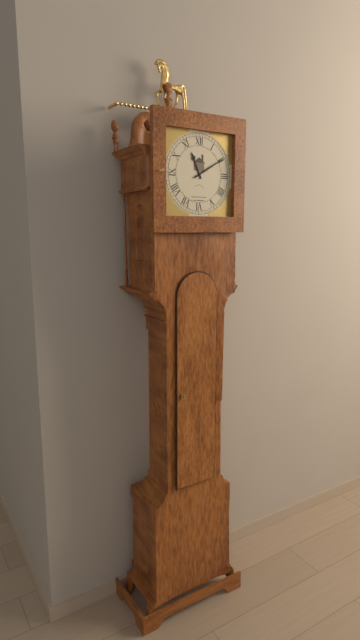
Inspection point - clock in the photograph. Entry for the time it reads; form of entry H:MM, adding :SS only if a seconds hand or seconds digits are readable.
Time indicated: 11:10
